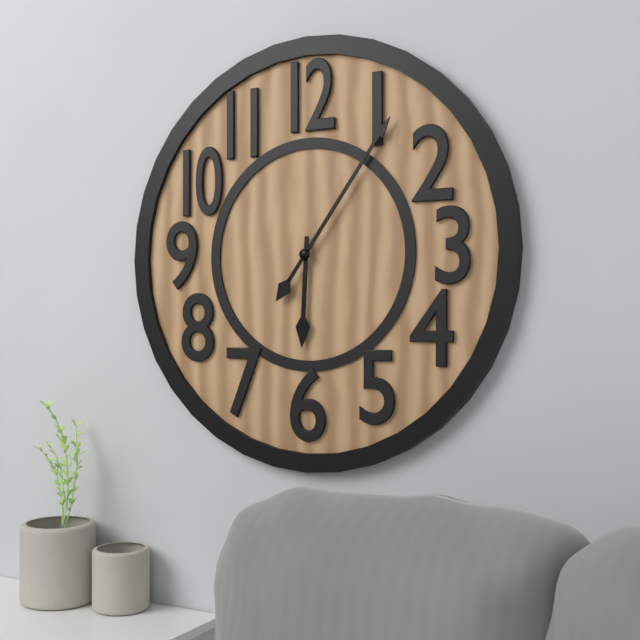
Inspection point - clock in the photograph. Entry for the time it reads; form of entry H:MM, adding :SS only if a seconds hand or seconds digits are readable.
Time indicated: 6:06
